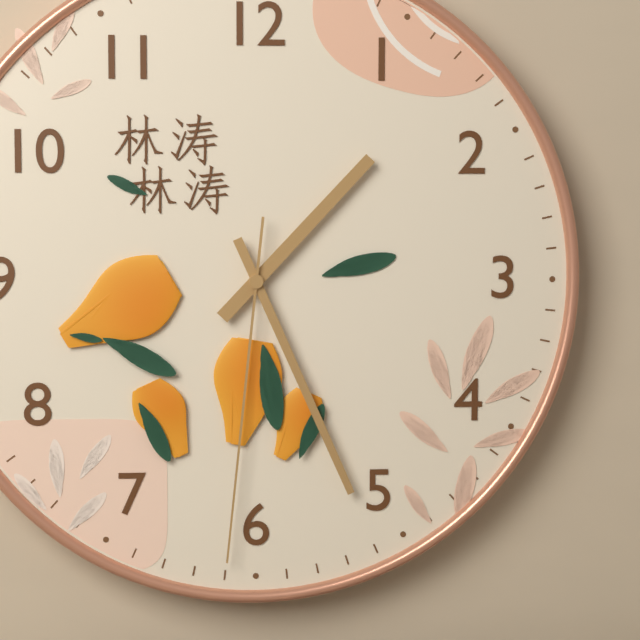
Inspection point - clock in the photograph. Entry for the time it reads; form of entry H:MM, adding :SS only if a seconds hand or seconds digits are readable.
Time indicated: 1:26:31
